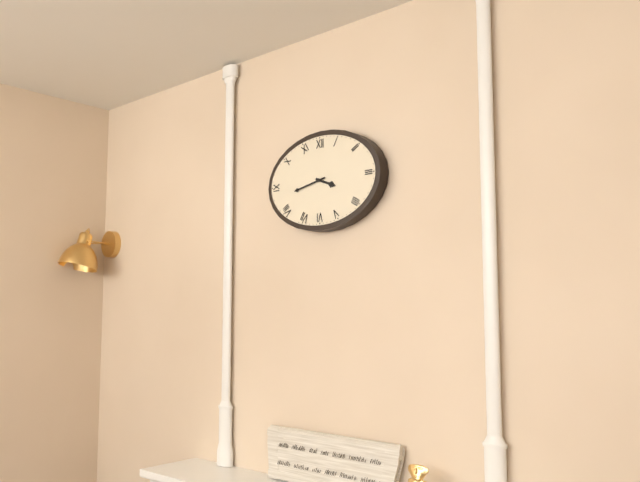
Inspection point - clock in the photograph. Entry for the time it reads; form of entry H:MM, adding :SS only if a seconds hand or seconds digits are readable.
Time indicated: 3:43
